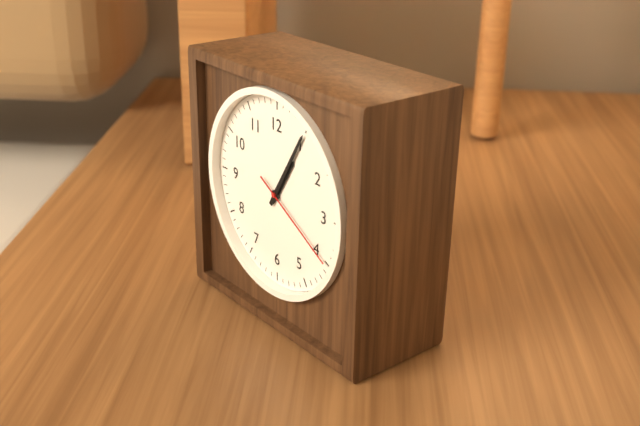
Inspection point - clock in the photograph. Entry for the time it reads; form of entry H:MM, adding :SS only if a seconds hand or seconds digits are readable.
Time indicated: 1:05:20
